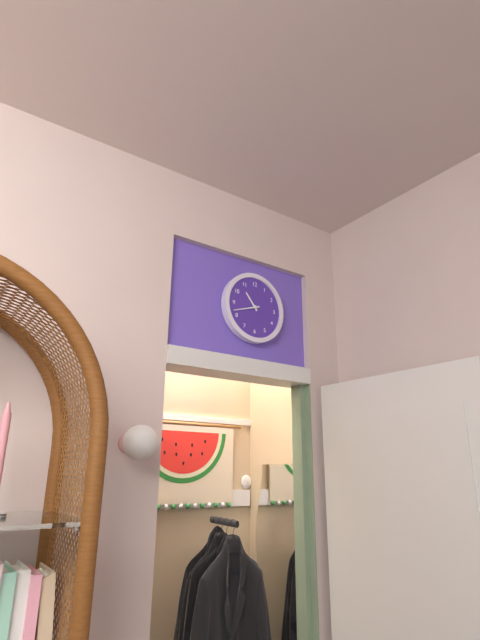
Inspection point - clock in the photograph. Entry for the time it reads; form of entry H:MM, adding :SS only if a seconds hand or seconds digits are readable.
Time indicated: 10:42
